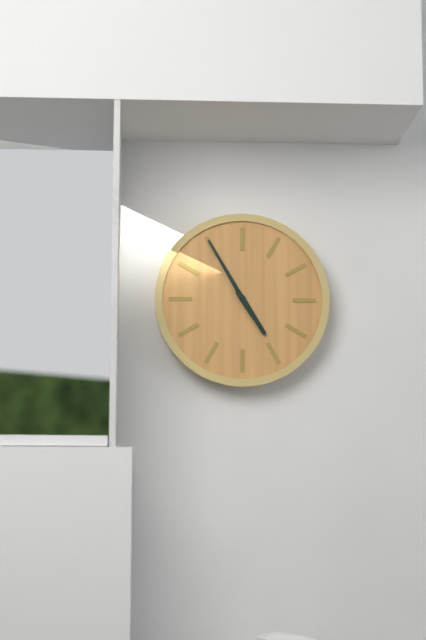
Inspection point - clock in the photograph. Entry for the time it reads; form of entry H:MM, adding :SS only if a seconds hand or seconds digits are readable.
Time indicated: 4:55
